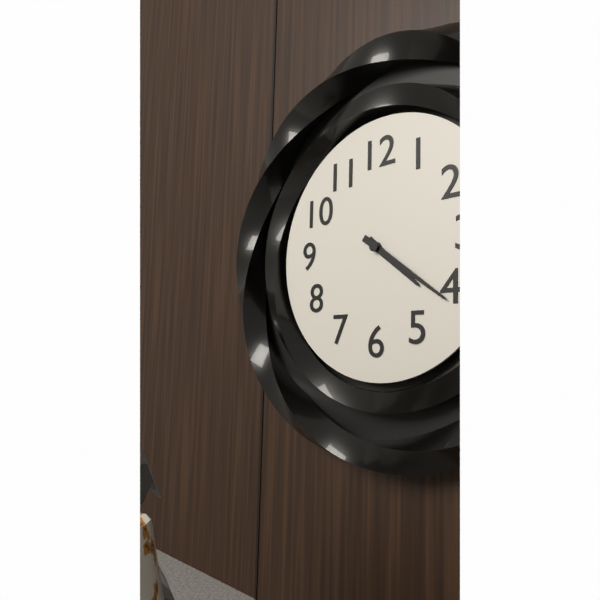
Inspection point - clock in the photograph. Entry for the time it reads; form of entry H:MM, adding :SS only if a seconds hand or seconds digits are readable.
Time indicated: 4:21
